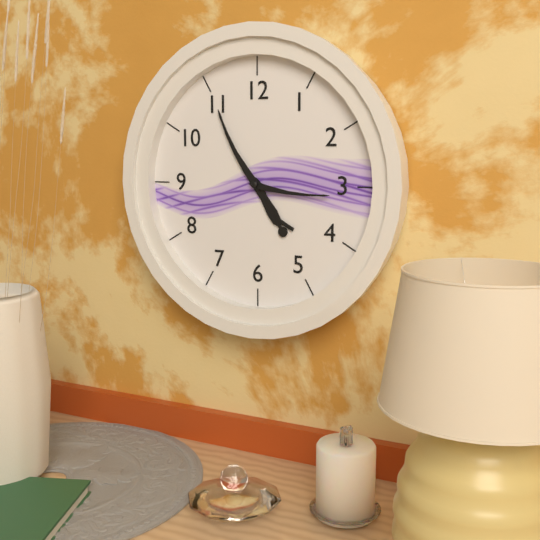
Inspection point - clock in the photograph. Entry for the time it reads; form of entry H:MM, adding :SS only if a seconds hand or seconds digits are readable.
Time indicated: 4:55:16
